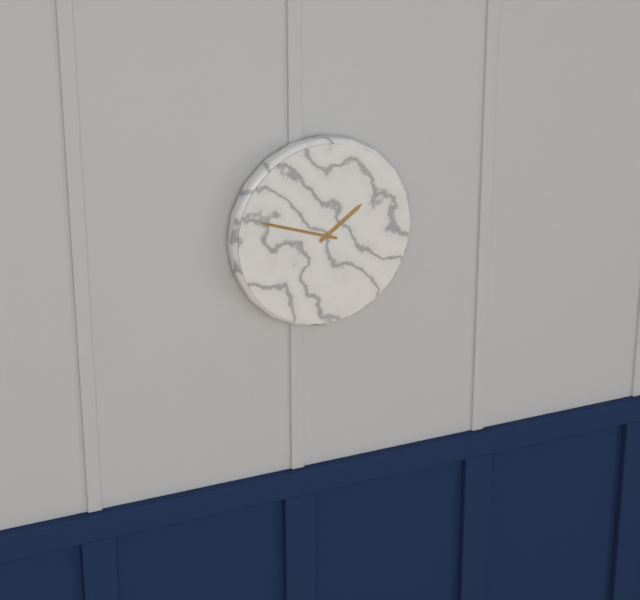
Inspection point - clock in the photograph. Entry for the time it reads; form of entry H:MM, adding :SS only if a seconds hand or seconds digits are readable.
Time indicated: 1:48
